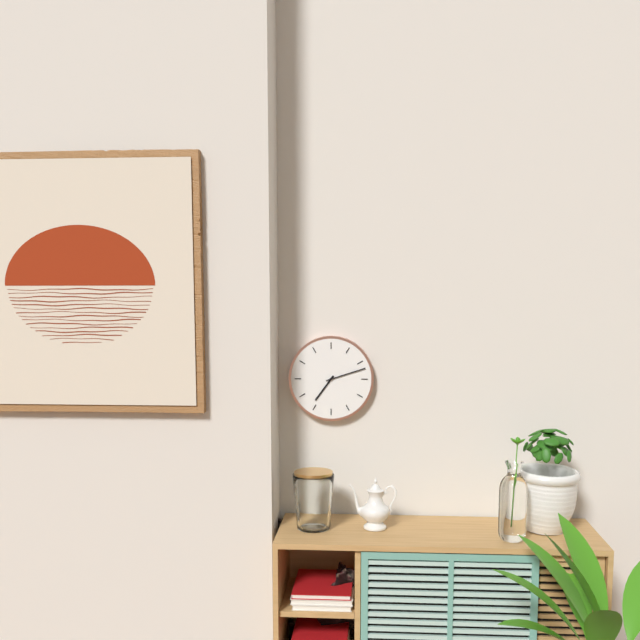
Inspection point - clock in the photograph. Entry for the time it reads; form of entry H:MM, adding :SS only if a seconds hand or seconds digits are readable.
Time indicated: 7:12
